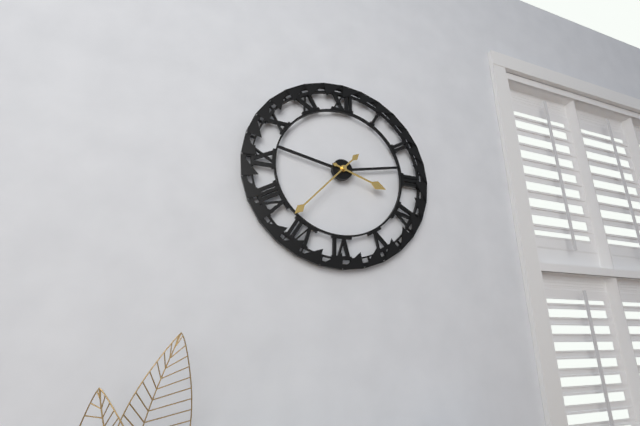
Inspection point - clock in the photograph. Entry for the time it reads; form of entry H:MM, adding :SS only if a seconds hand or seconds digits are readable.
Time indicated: 3:37
